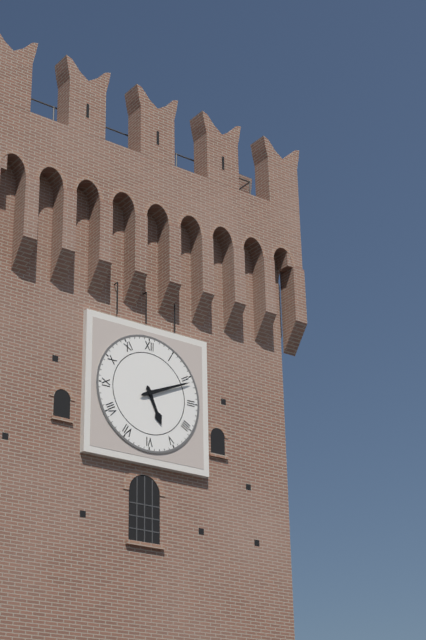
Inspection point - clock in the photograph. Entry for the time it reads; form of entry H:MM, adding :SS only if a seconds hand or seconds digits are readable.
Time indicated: 5:11
